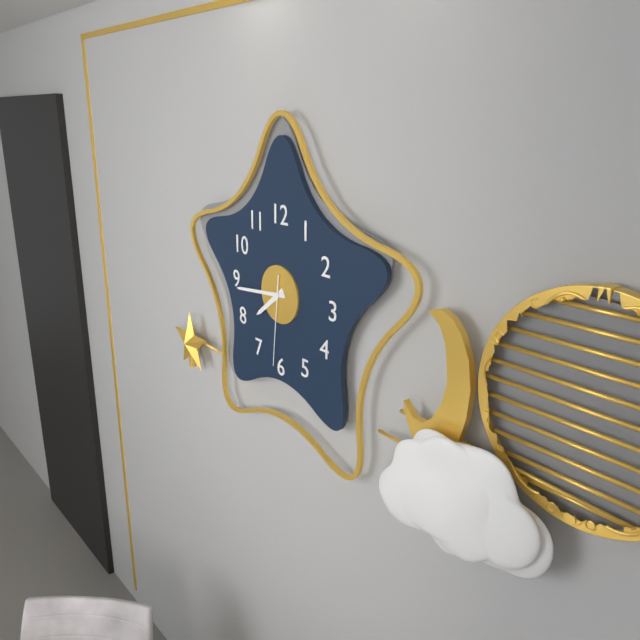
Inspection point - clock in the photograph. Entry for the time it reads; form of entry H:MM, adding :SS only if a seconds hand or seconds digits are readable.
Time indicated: 7:44:31
